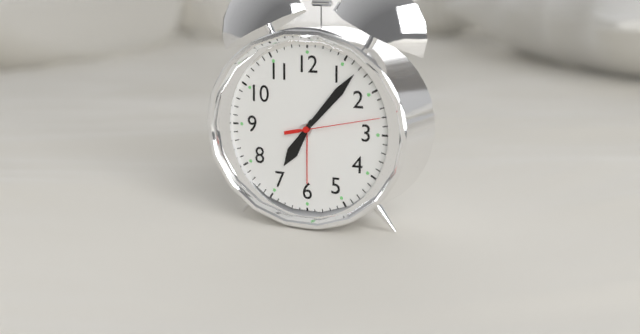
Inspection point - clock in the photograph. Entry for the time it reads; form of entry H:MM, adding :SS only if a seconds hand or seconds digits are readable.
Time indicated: 7:07:13
